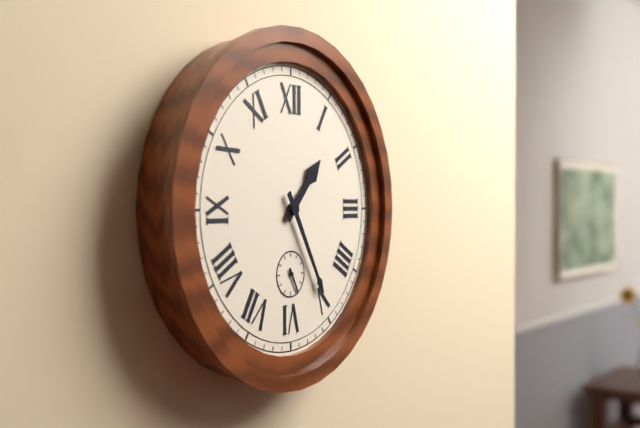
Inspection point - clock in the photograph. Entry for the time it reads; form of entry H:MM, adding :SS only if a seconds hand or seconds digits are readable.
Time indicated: 1:25
